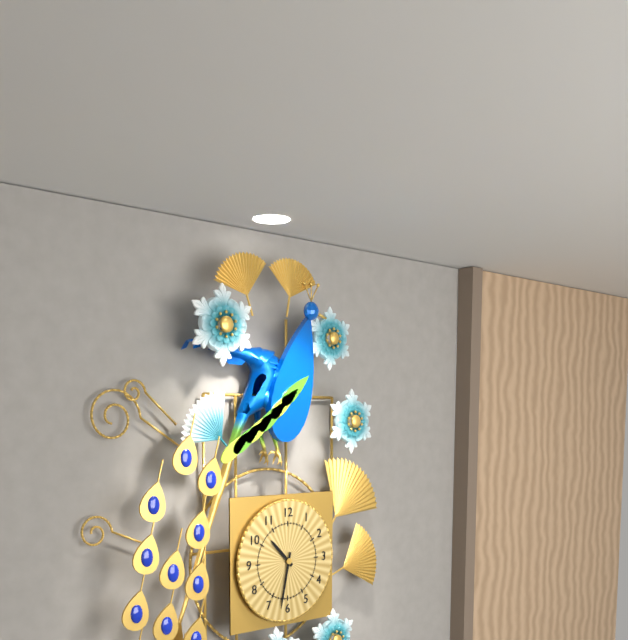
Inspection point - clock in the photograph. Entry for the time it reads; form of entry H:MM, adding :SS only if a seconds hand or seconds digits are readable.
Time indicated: 10:32
